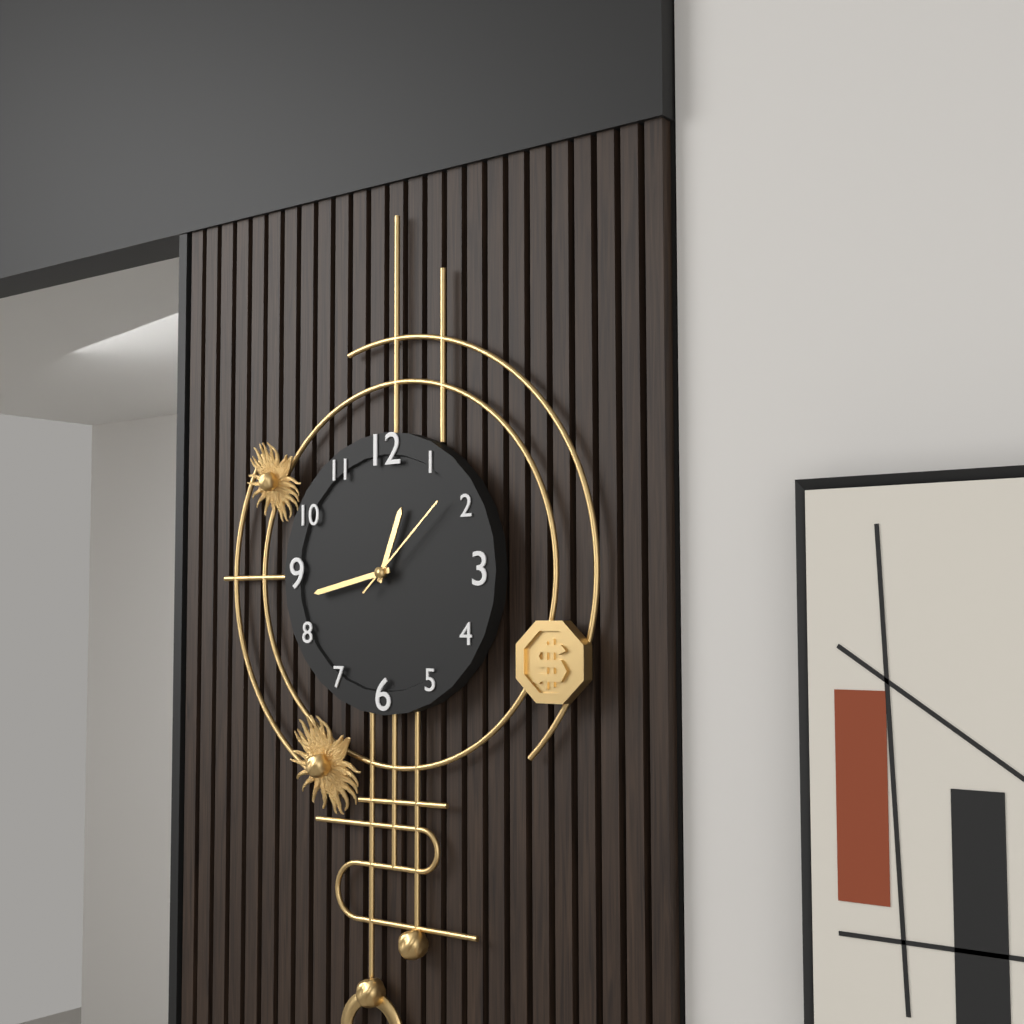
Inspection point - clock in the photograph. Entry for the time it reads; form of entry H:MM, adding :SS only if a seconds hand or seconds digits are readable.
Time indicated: 12:43:08
